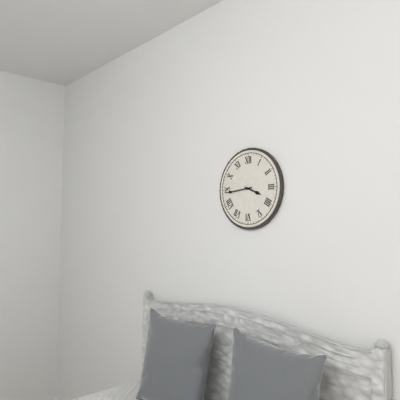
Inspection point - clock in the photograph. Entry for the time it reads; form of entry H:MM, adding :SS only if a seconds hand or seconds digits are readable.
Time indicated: 3:44
